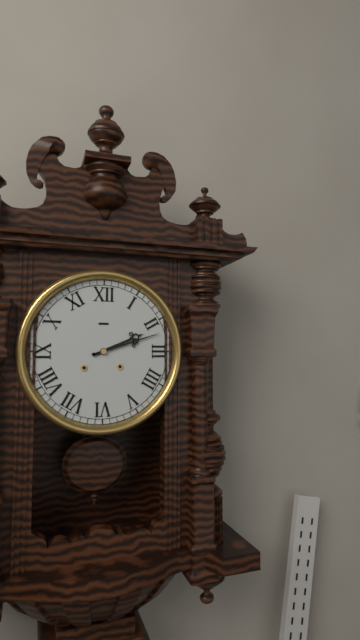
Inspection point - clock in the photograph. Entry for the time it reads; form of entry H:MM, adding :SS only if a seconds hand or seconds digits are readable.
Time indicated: 2:12
